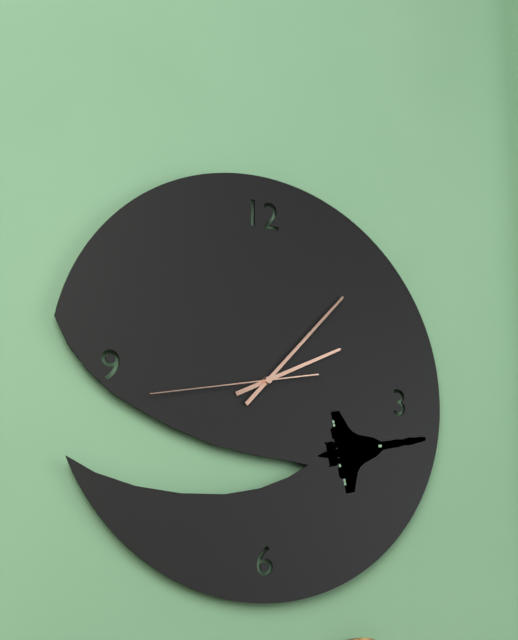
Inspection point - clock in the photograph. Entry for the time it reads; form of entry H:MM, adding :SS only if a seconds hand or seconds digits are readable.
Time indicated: 2:07:43
